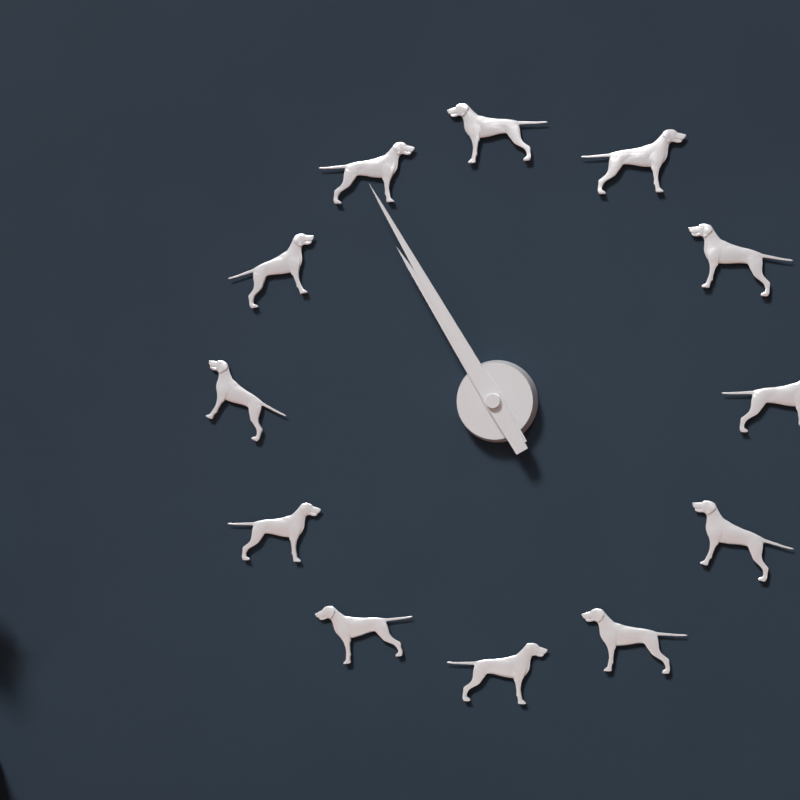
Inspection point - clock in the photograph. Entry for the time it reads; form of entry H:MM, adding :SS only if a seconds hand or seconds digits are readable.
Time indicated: 10:55
